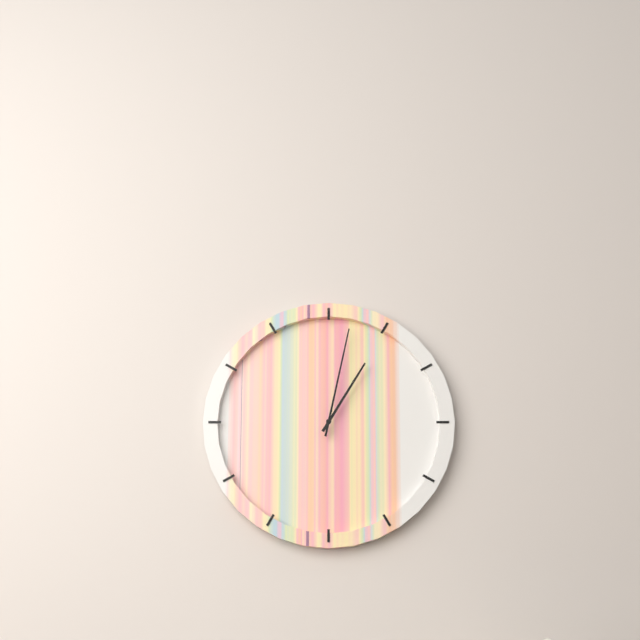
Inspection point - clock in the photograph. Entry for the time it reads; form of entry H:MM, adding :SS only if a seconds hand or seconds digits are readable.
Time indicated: 1:02
